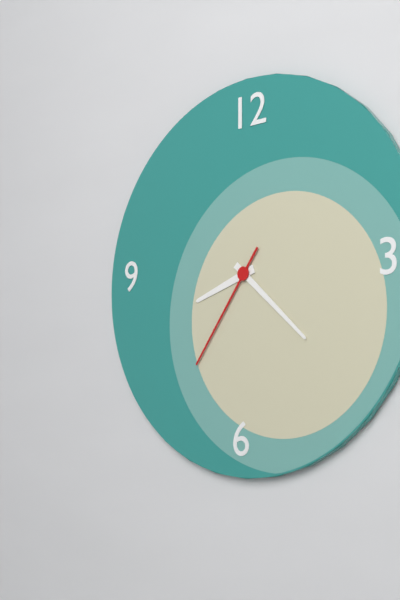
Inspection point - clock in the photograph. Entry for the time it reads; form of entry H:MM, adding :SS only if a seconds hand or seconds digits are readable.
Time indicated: 8:22:36
